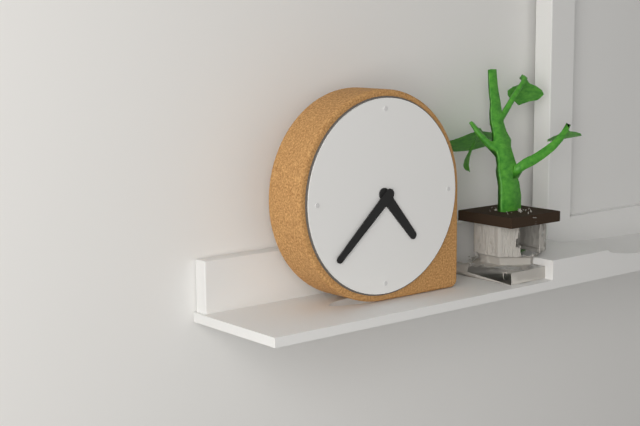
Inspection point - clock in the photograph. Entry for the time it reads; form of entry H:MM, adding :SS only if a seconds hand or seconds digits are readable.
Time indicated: 4:38
